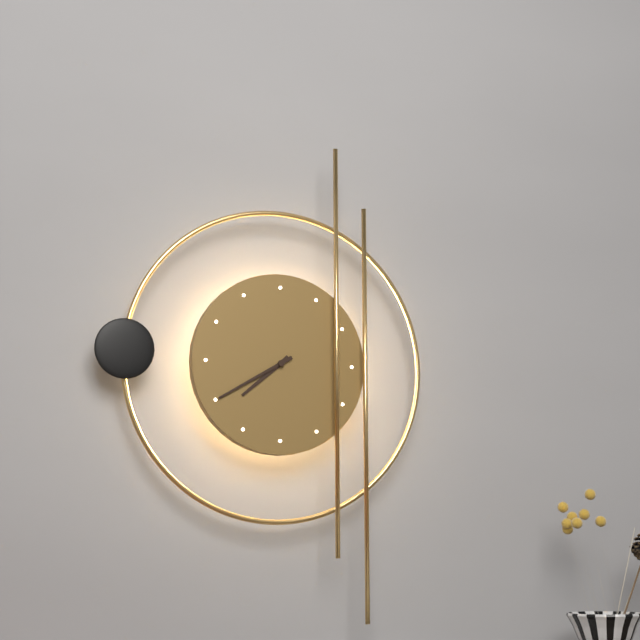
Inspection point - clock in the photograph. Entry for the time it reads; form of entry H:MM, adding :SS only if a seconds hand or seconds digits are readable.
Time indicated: 7:40
